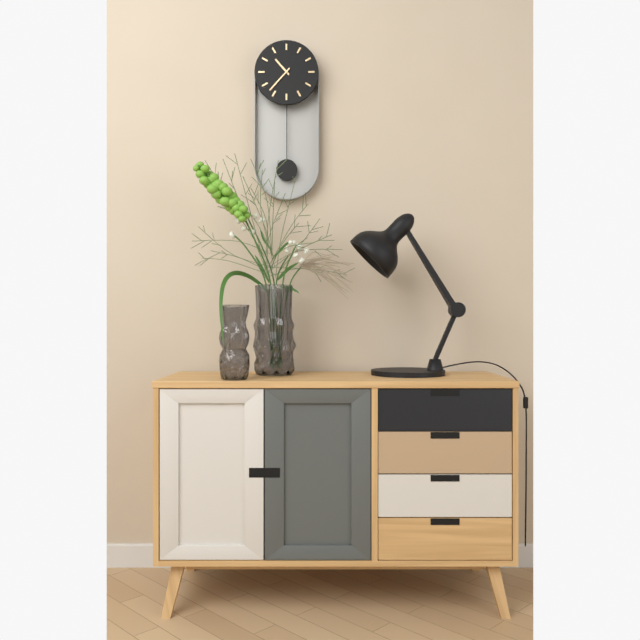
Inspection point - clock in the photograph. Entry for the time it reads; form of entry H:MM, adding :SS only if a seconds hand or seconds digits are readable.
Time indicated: 10:37
